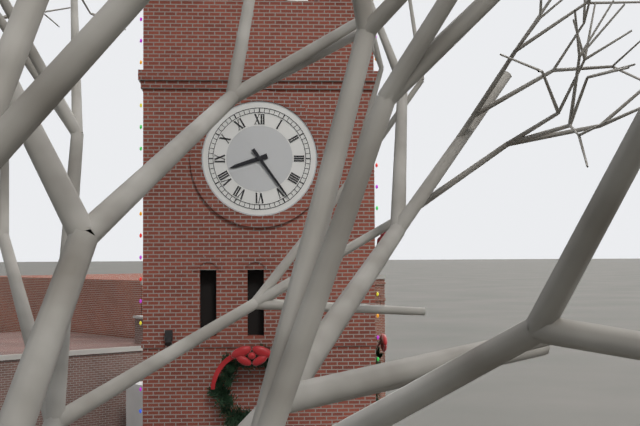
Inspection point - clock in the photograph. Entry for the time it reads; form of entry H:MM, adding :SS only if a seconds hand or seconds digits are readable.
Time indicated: 8:24
